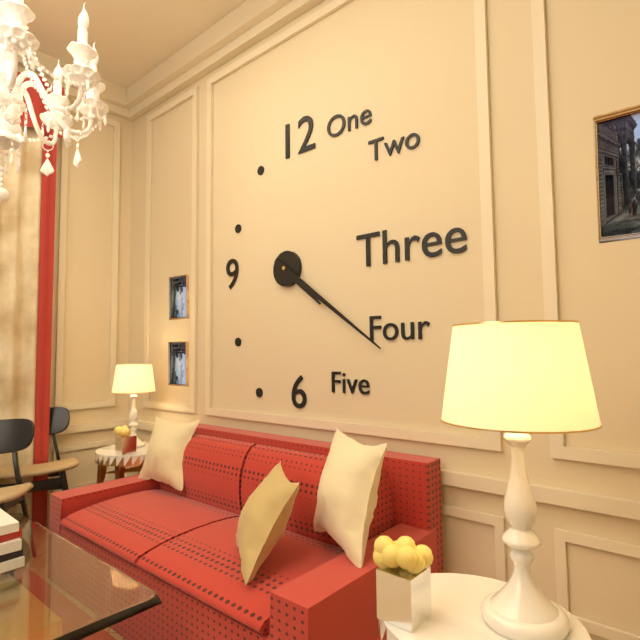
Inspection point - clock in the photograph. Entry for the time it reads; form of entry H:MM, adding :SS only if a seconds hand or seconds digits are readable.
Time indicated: 4:21
